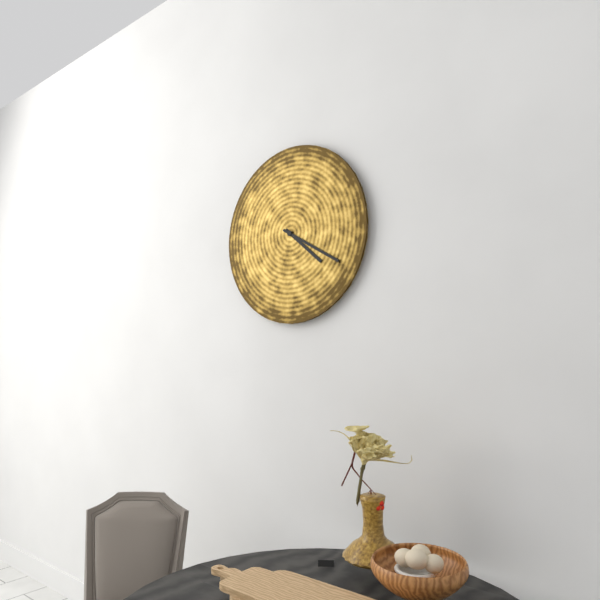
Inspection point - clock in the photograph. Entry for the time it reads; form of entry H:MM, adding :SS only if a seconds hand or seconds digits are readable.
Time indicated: 4:20
